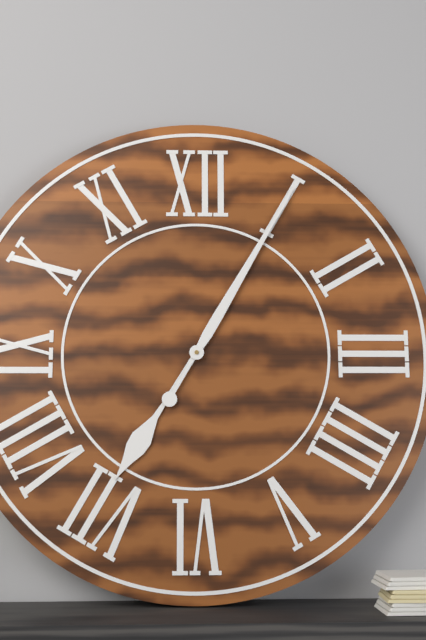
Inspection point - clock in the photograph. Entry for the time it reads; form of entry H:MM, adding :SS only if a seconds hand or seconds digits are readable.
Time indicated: 7:05
